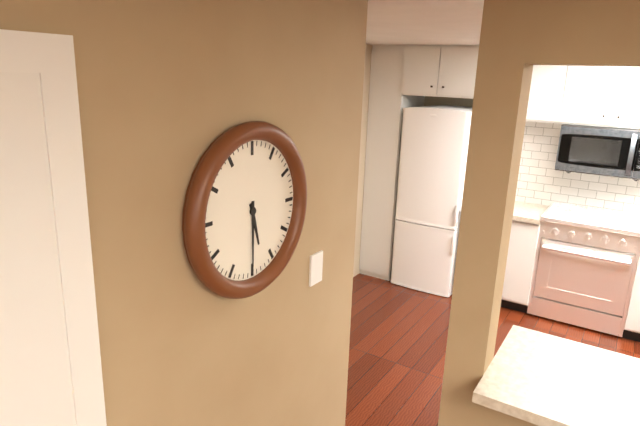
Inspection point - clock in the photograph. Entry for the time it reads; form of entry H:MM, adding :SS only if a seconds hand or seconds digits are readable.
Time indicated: 5:30
